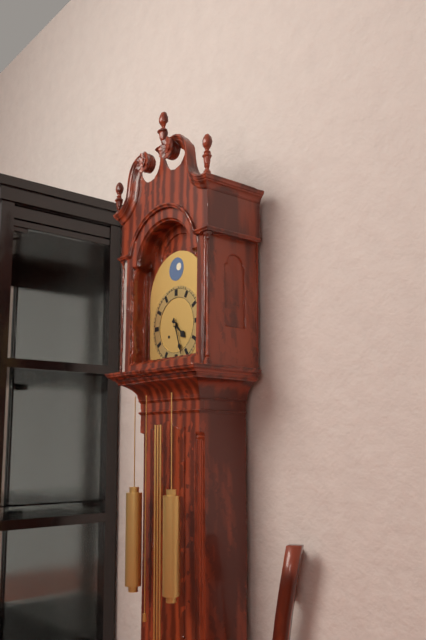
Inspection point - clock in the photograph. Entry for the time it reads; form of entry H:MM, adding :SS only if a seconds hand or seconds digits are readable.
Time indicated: 4:27
